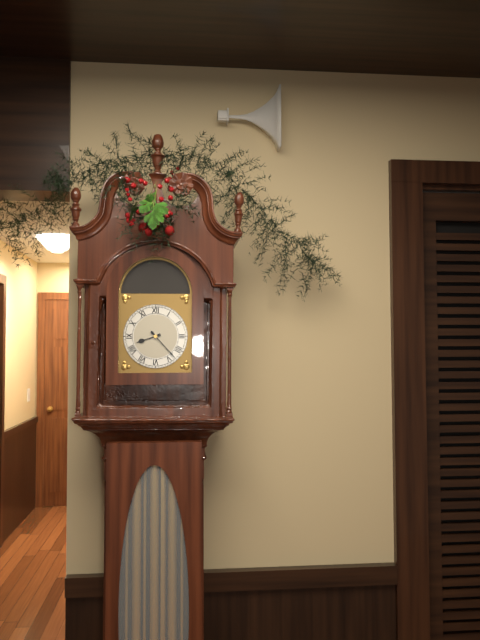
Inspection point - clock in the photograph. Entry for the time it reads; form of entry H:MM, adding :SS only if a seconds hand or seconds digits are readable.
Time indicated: 8:23
